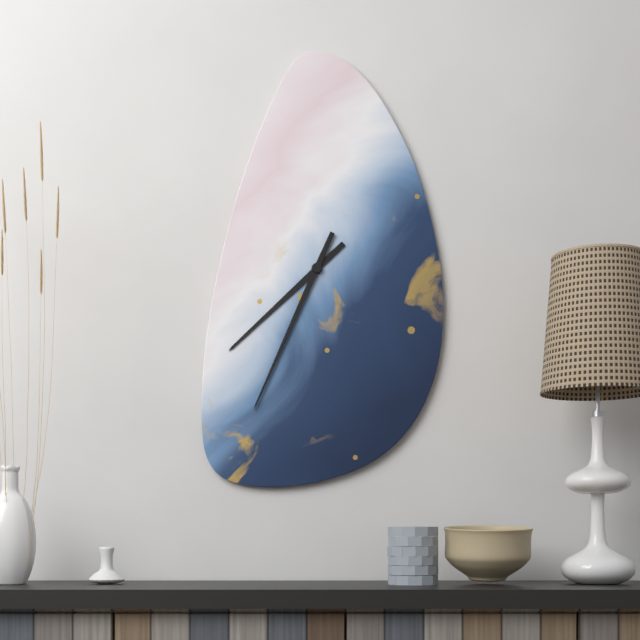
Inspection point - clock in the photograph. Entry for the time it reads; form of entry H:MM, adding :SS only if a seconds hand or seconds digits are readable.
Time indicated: 7:34
